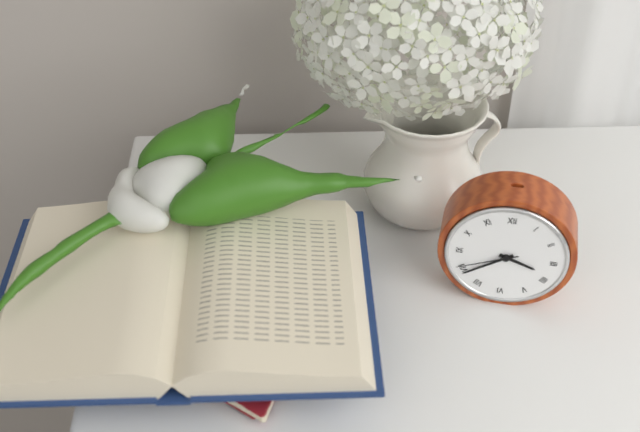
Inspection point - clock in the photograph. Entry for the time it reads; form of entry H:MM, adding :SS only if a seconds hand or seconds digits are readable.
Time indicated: 3:39:41
